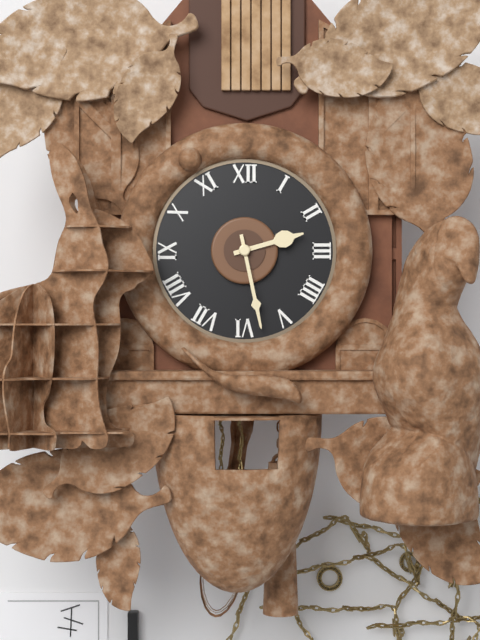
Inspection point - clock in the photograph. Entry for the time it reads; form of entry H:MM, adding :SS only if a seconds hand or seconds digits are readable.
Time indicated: 2:28
